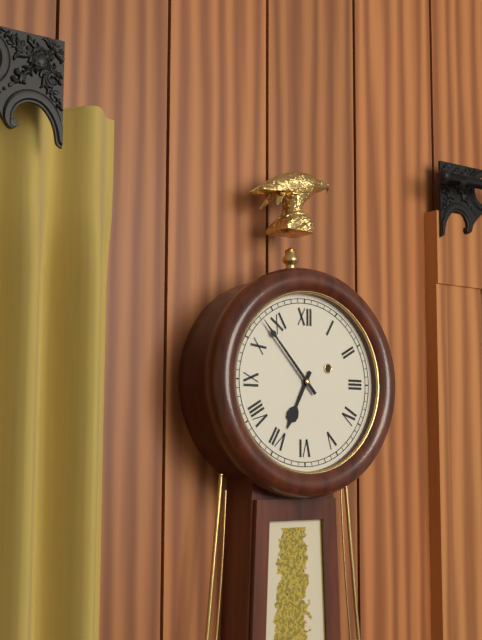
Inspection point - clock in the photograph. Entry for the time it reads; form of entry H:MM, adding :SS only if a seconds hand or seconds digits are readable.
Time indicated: 6:53
